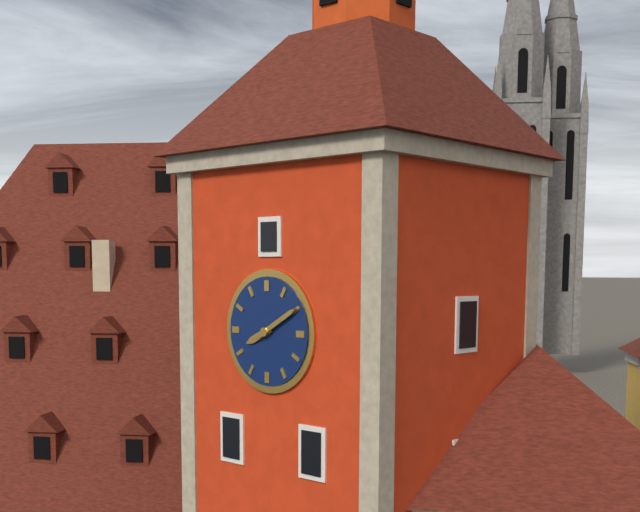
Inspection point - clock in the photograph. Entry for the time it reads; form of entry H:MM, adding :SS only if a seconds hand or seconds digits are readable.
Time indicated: 8:10
